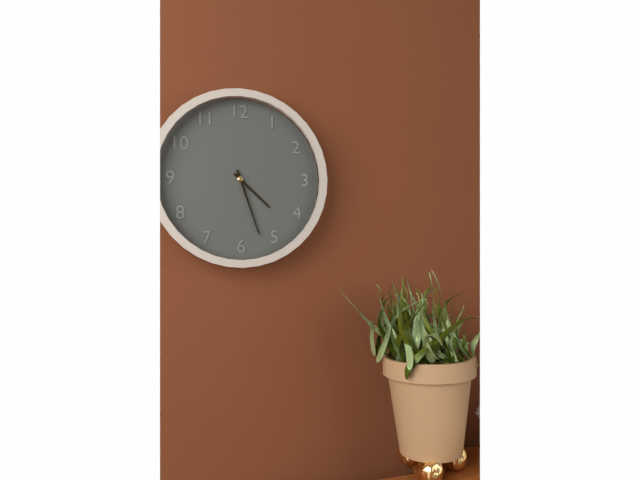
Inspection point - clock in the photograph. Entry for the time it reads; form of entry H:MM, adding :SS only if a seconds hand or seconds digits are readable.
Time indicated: 4:27
